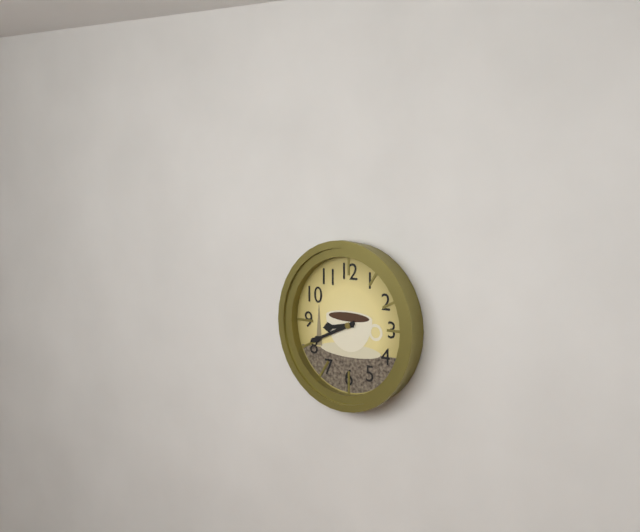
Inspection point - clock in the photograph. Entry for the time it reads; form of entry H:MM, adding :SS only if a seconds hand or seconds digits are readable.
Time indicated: 8:41
